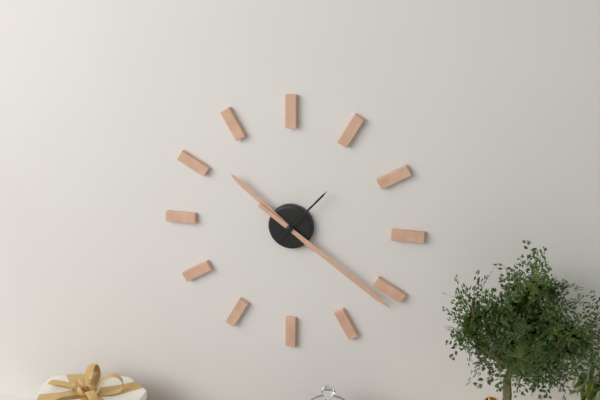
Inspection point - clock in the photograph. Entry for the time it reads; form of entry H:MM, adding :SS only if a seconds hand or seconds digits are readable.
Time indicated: 10:21:07
